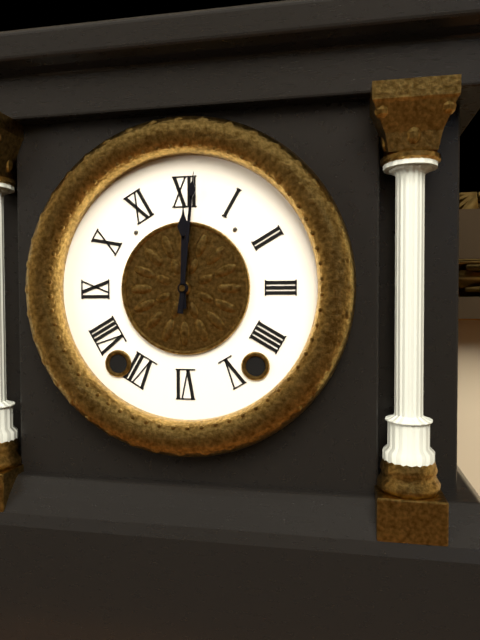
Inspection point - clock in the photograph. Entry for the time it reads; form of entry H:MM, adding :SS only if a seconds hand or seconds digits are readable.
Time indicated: 12:01
